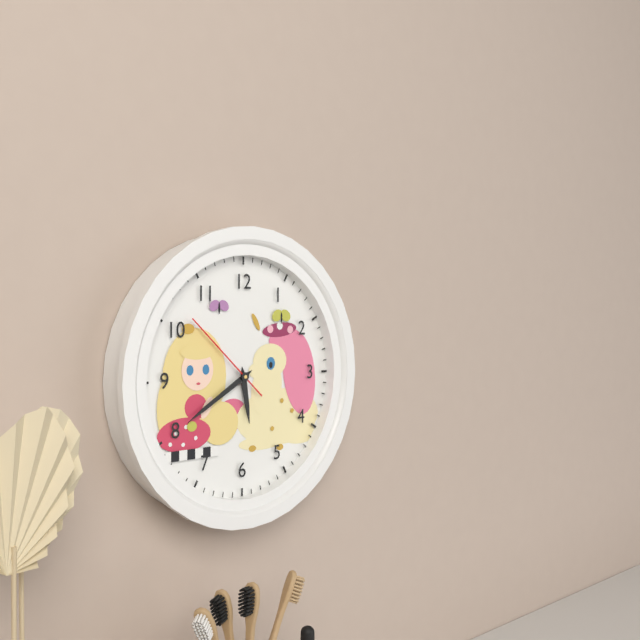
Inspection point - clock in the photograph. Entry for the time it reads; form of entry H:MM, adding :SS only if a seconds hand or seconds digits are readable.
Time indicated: 5:40:52
